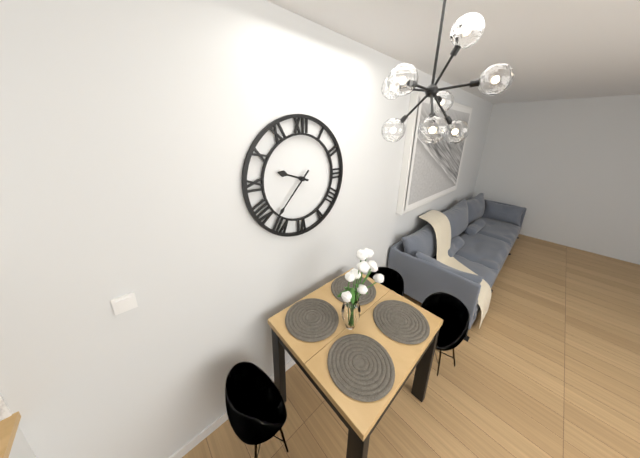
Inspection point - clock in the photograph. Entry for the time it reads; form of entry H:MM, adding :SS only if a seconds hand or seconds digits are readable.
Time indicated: 9:37
